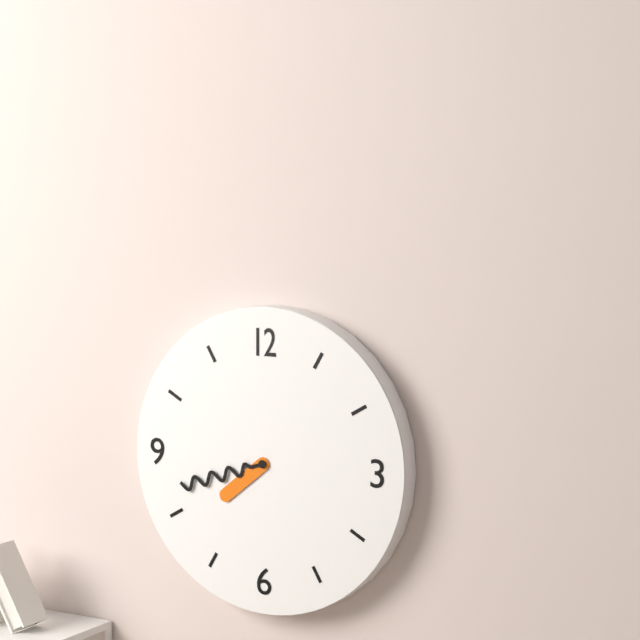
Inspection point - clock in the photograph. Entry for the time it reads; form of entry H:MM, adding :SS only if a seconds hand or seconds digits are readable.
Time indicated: 7:42
